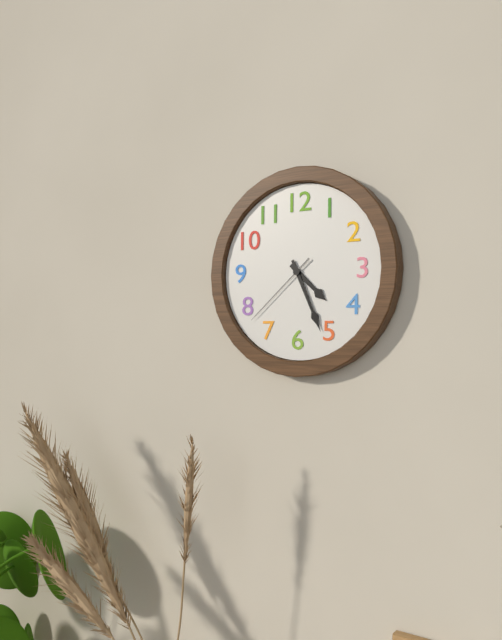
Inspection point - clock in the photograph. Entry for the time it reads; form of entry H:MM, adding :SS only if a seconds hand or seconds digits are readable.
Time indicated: 4:26:38
